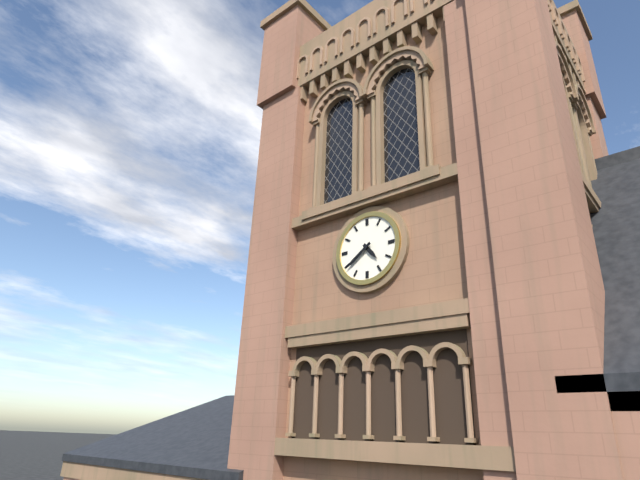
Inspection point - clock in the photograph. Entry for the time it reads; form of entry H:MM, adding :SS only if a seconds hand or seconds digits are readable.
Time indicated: 4:39
